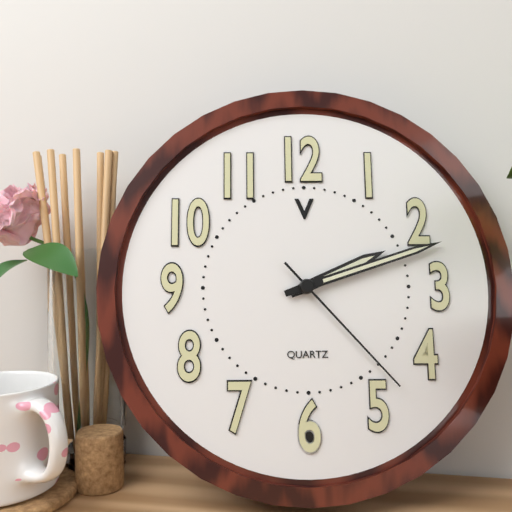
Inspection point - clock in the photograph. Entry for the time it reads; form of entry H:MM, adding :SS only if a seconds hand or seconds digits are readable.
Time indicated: 2:12:23
